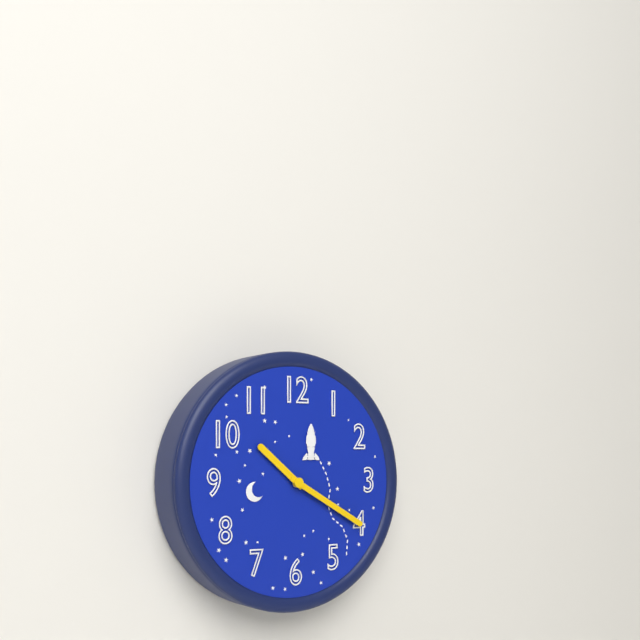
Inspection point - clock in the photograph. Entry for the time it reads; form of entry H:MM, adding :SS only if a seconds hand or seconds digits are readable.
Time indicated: 10:20
